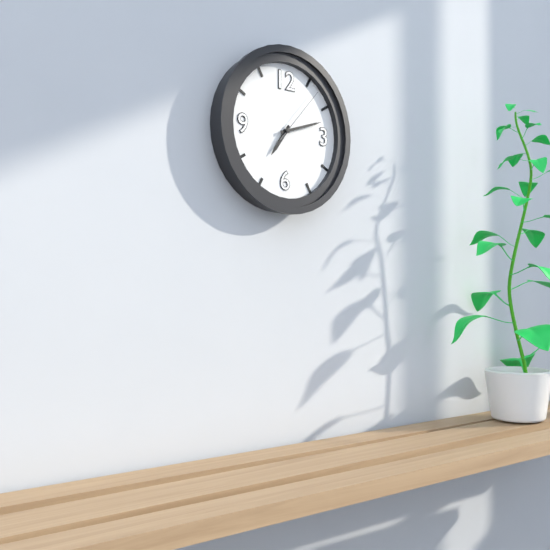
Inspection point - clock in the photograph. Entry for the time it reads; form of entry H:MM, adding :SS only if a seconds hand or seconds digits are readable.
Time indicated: 7:12:07
